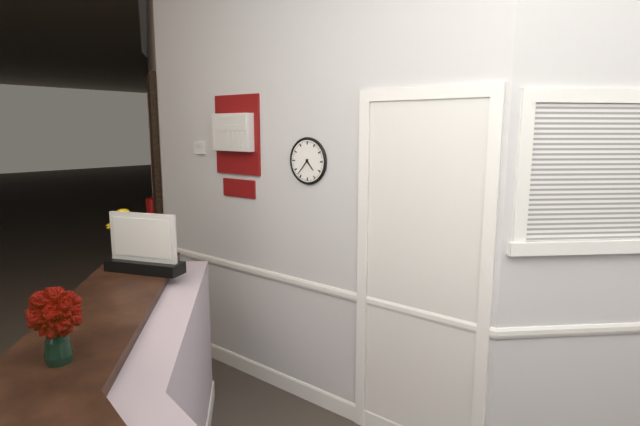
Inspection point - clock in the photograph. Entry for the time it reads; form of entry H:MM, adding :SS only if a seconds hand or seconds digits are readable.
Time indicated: 4:37
